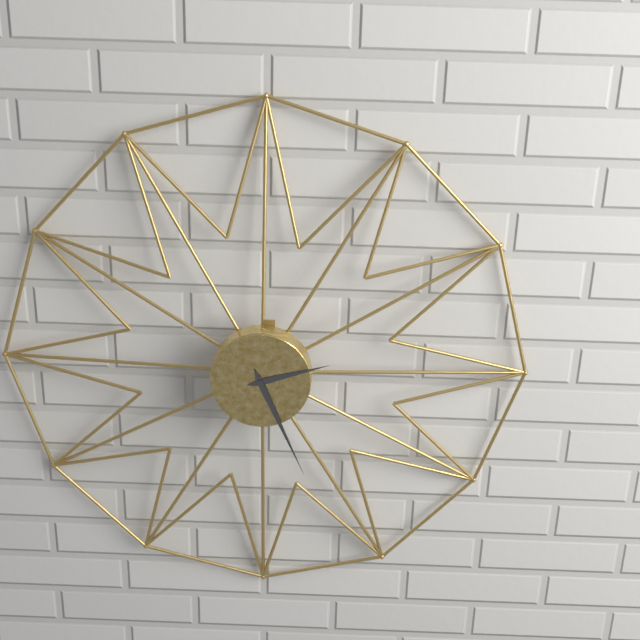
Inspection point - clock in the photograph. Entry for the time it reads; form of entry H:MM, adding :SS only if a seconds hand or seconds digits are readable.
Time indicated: 2:26
